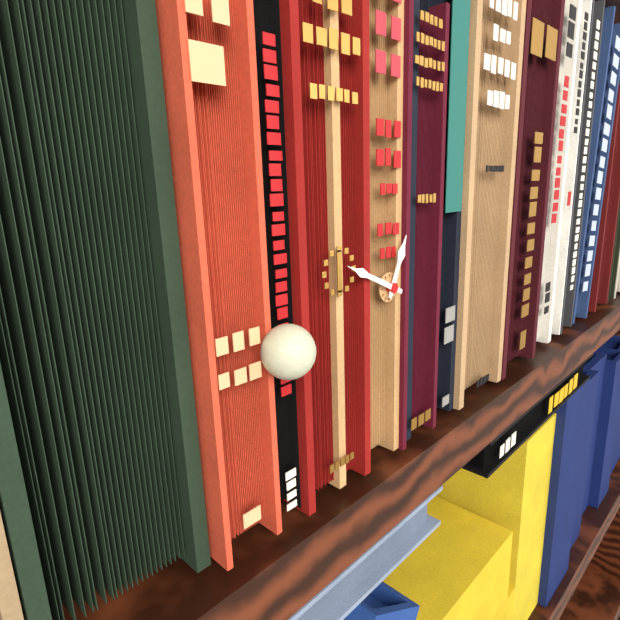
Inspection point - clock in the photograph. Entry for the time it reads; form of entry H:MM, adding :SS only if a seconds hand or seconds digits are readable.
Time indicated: 12:49
